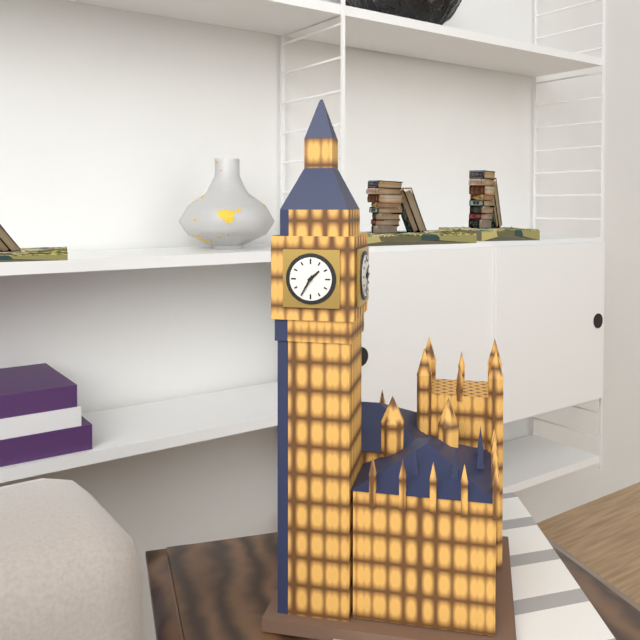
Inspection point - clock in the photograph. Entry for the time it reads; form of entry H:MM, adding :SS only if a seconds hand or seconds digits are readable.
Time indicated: 1:35
